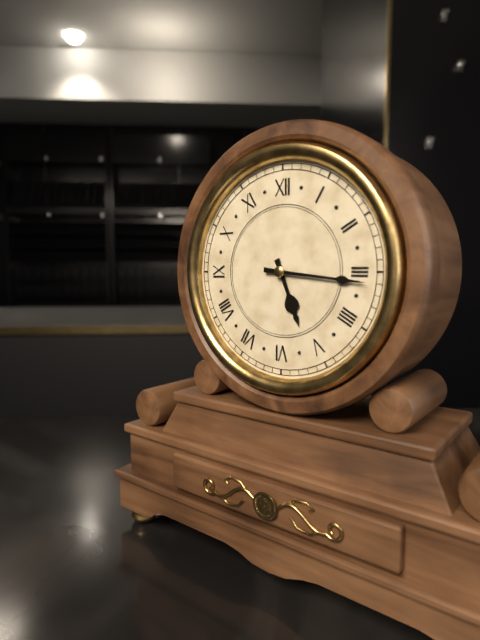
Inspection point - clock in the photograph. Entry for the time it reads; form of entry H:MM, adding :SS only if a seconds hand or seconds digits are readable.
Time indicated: 5:16
